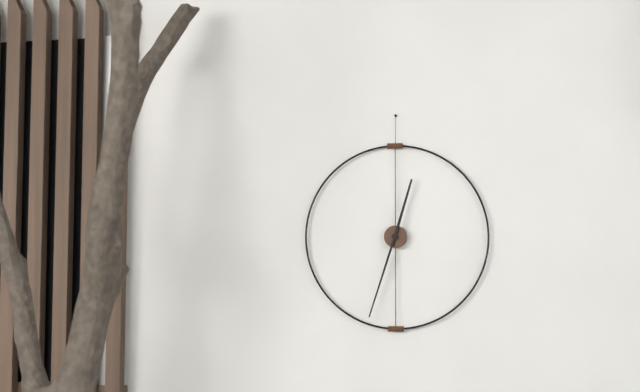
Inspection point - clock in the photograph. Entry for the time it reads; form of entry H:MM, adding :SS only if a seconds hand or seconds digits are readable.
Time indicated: 12:33
